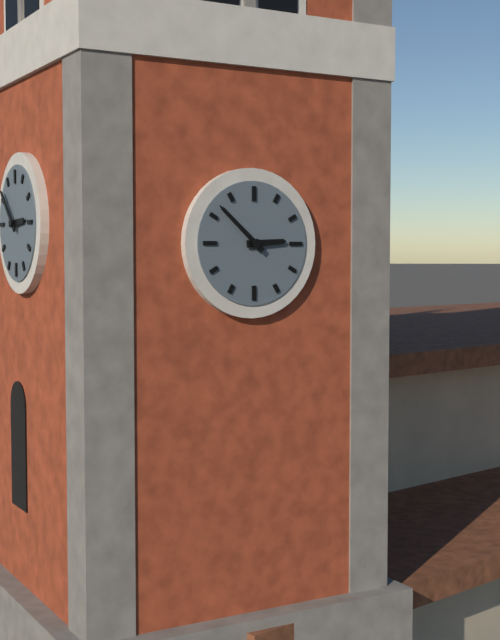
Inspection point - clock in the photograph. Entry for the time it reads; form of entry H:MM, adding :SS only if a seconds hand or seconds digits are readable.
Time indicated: 2:52
